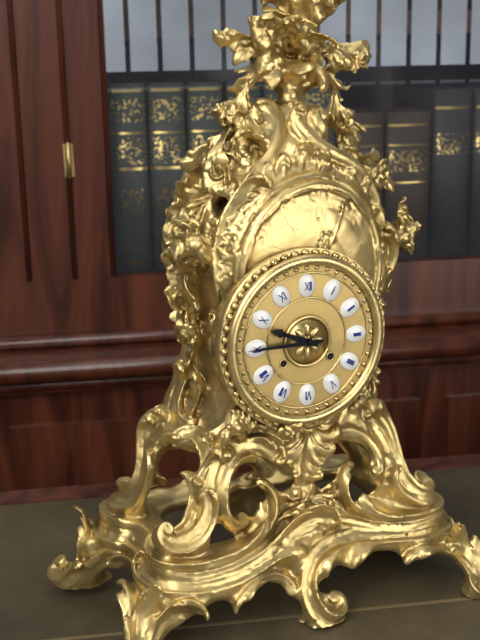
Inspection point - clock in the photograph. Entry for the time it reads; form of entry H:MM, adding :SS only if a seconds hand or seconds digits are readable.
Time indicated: 9:45
